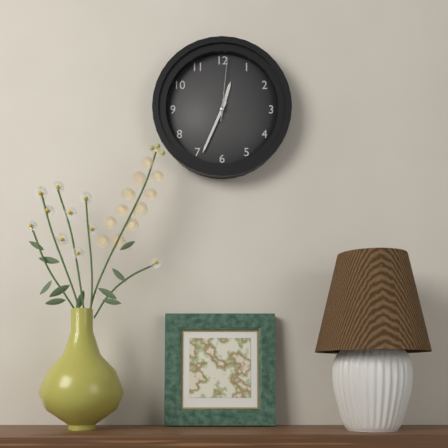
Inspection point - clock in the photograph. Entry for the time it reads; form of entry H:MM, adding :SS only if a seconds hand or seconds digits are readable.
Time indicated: 12:34:01
